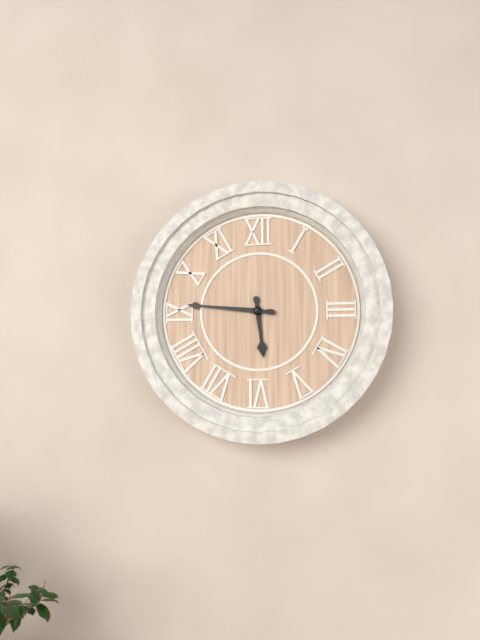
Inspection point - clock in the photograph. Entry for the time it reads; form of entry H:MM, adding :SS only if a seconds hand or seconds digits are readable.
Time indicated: 5:46
